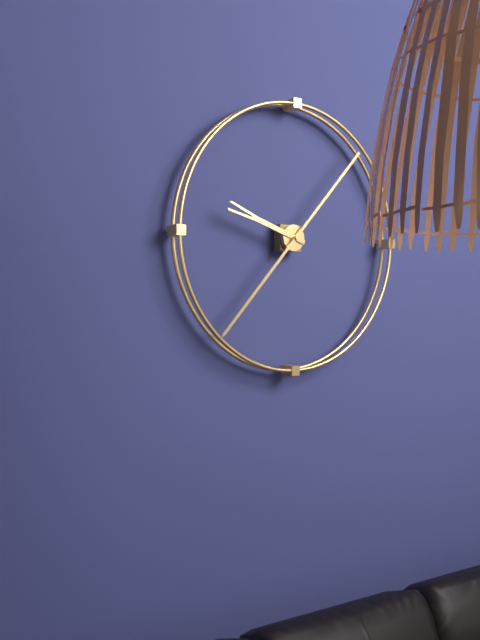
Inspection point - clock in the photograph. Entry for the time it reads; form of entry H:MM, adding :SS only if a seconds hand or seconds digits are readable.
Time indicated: 9:37
